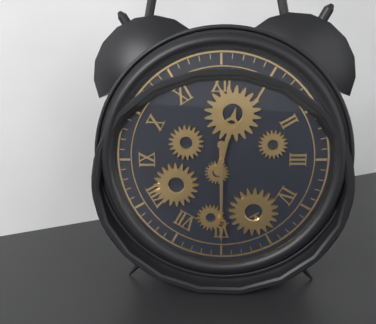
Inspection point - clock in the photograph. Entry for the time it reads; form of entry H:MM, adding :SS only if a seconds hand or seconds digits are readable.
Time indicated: 12:30
